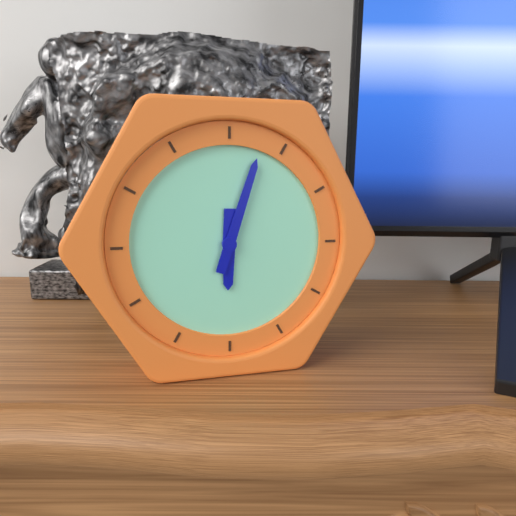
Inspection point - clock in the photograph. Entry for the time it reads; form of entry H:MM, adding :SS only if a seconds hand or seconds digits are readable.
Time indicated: 6:03
